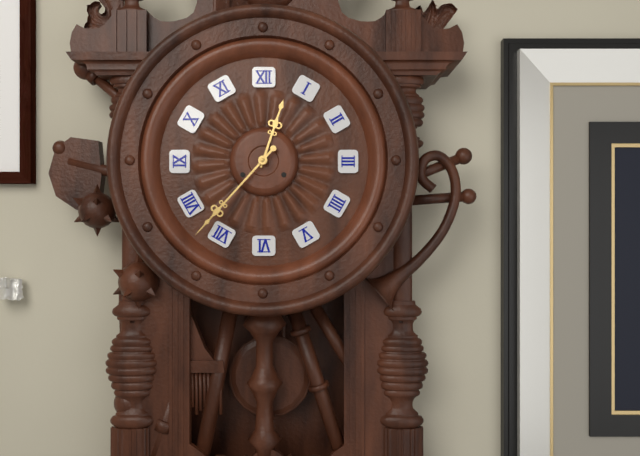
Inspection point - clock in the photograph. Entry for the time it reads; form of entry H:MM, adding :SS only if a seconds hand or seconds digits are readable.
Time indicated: 12:37
